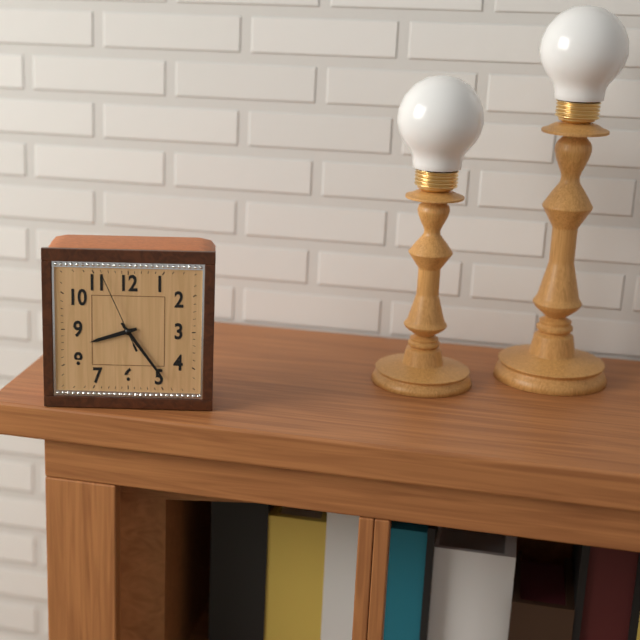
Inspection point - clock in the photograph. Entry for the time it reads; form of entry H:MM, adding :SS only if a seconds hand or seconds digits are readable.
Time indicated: 8:24:56
